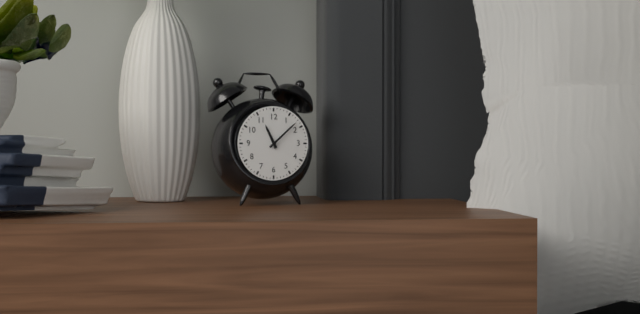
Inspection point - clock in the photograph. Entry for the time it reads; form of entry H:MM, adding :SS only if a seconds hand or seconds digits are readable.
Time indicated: 11:08
